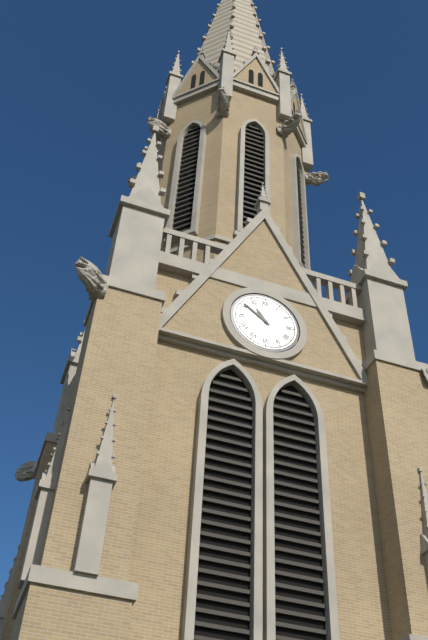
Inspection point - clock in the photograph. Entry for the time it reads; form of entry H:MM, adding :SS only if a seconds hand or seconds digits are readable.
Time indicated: 10:51
